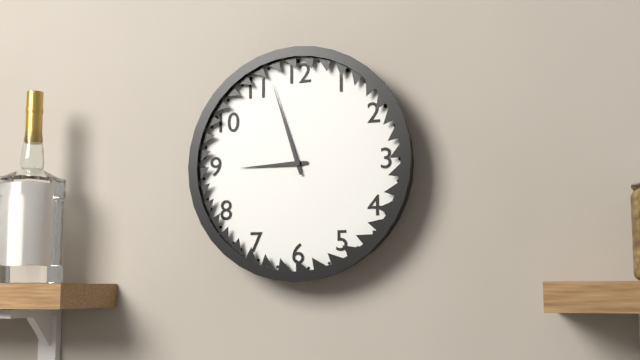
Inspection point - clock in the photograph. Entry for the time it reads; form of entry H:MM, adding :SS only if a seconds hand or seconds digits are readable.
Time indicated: 8:57
